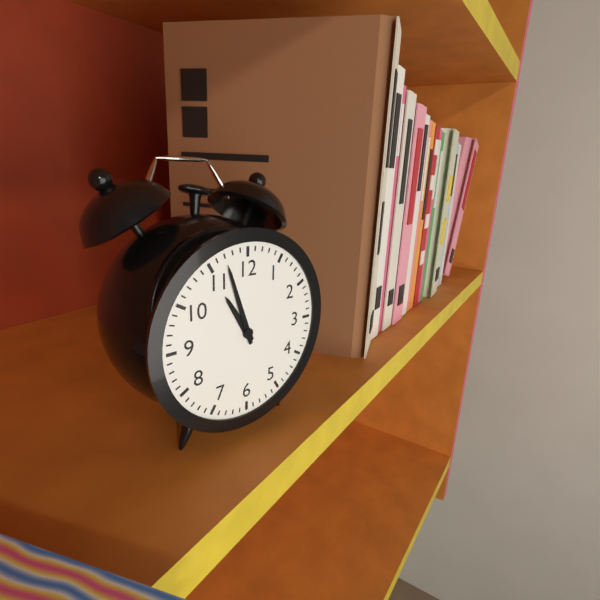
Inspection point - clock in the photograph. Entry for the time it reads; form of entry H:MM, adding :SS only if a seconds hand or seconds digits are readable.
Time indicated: 10:57
